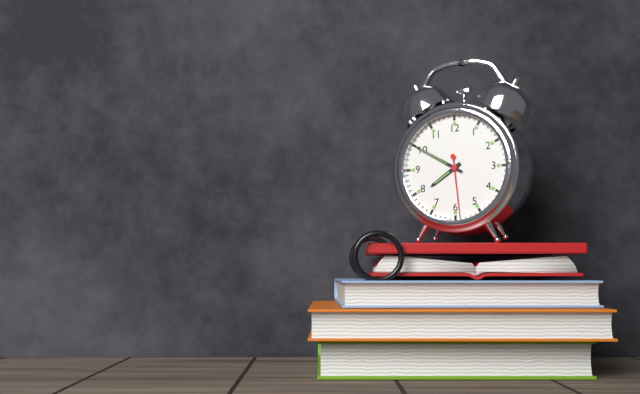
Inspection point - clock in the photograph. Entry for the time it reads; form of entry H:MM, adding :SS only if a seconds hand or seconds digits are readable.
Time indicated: 7:50:29
